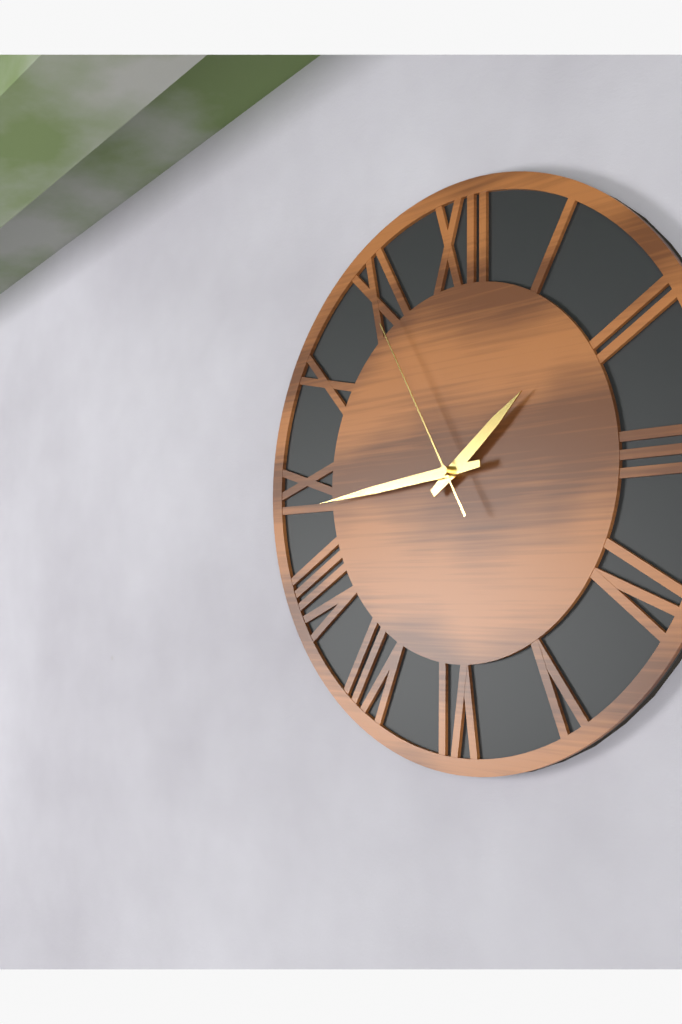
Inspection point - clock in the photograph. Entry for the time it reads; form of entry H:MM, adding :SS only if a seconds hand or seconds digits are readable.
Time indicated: 1:44:55
